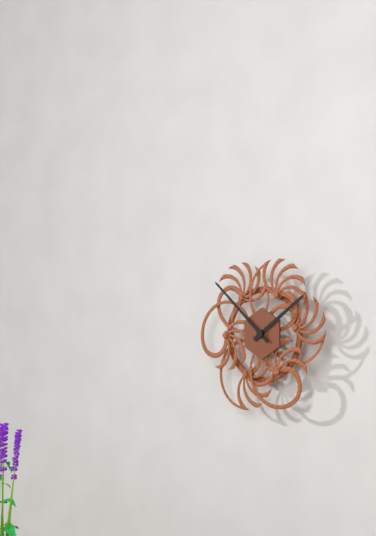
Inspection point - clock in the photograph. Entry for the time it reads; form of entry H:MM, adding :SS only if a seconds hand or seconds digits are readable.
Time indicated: 1:52
